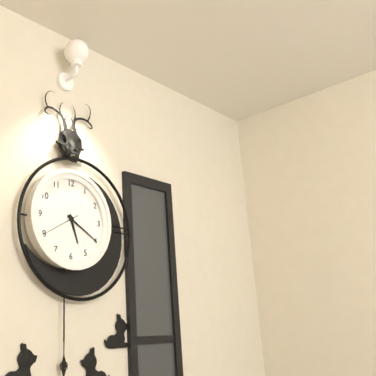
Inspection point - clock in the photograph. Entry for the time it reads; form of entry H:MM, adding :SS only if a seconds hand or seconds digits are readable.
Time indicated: 5:20
